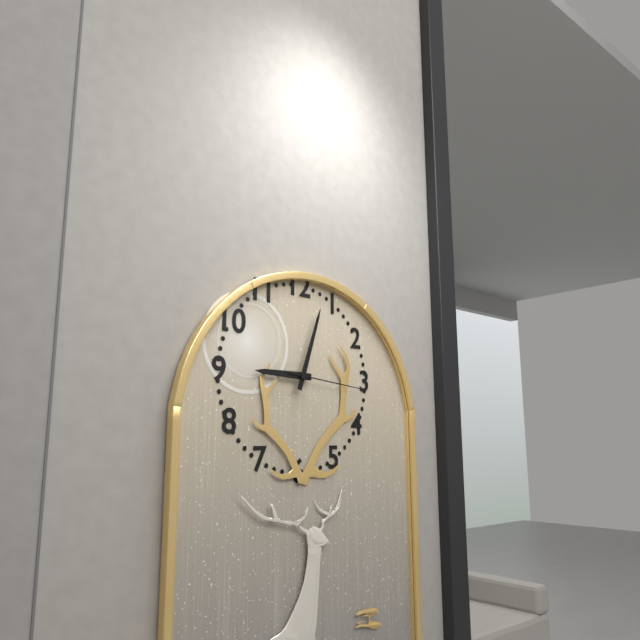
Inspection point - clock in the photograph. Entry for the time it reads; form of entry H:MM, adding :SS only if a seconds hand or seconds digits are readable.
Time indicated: 9:03:16
